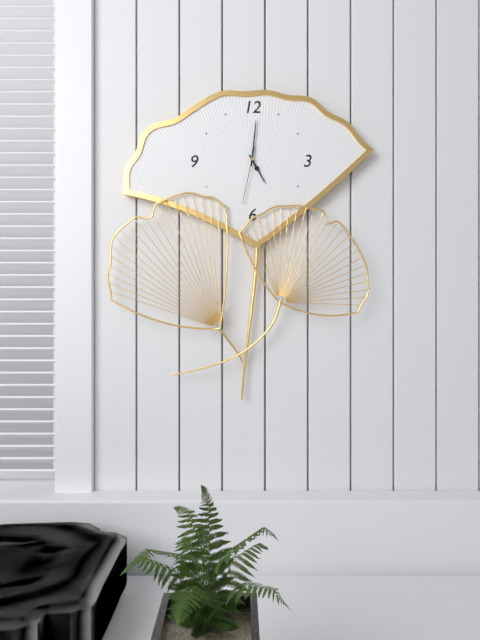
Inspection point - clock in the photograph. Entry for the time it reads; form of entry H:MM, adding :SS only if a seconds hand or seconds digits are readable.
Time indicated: 5:01:32
